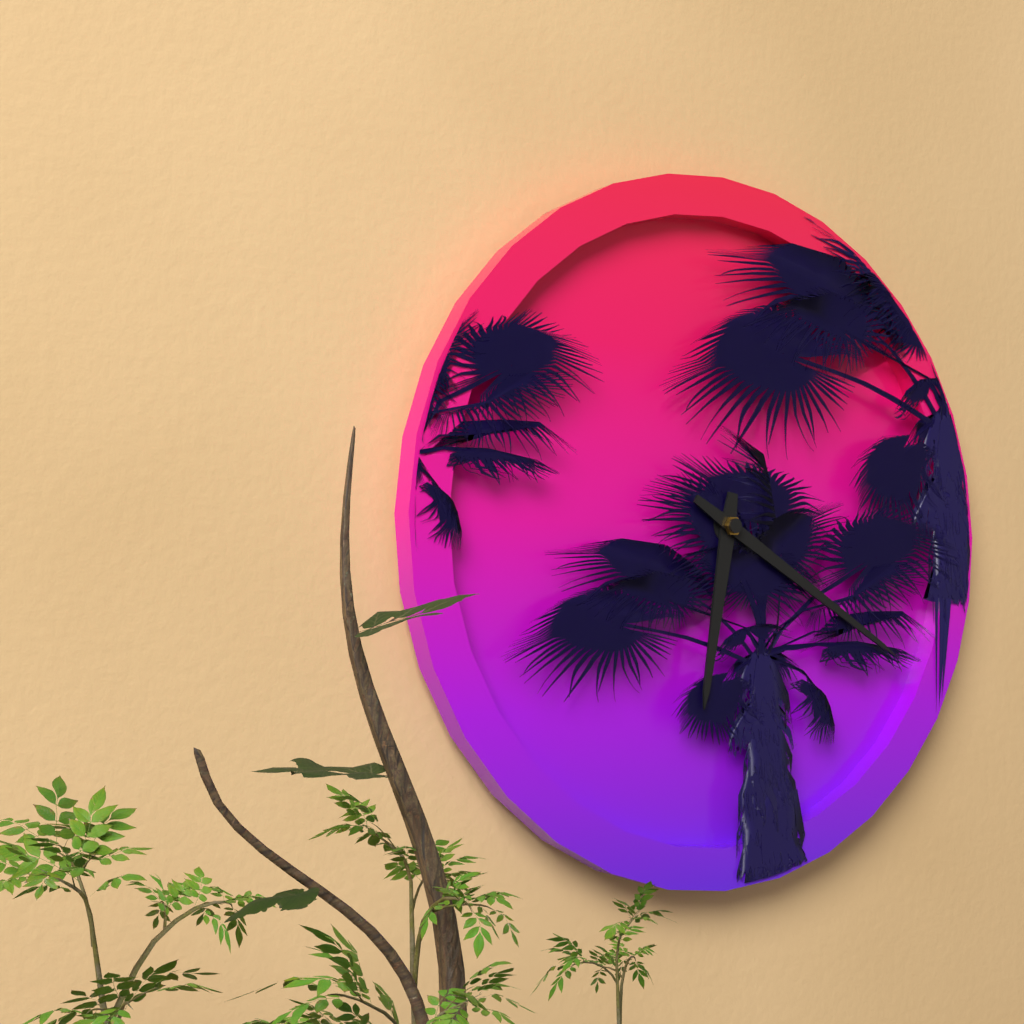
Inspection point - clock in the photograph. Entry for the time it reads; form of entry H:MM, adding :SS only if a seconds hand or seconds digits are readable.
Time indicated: 6:20
